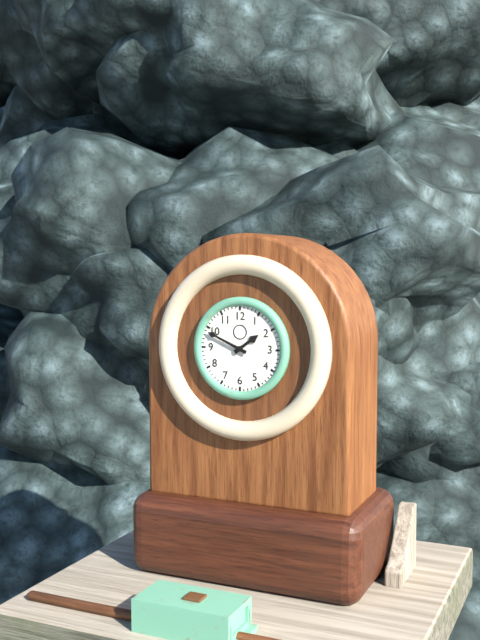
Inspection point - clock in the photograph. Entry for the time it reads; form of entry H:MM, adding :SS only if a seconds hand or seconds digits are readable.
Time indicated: 1:49
